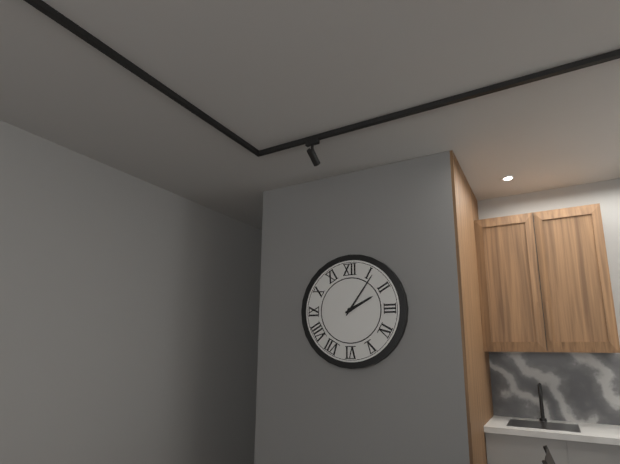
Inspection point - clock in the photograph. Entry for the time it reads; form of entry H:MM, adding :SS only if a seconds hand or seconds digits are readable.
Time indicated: 2:06
